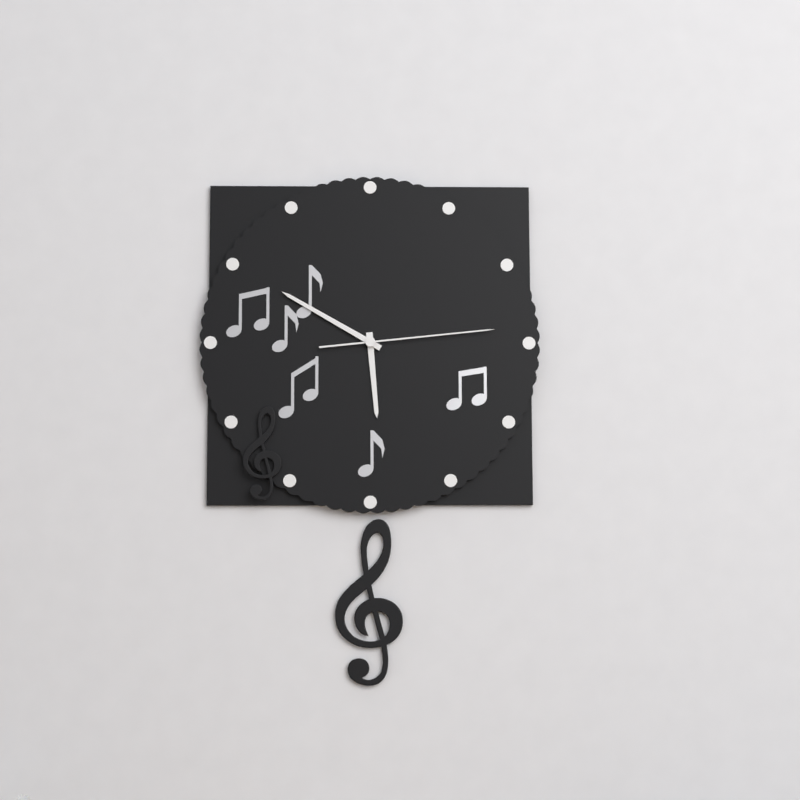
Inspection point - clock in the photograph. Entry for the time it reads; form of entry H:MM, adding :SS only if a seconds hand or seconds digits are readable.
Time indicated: 5:50:14
